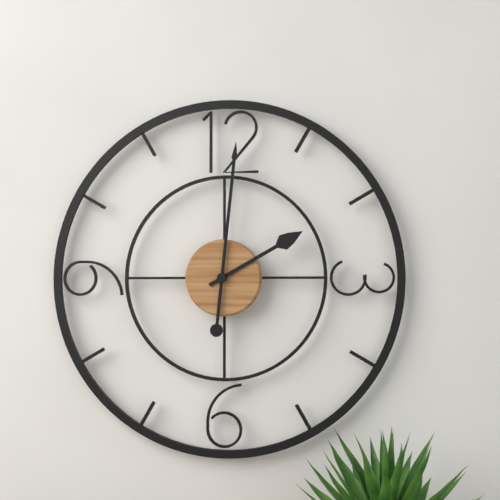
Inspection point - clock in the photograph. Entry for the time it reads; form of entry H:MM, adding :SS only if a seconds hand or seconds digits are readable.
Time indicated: 2:01
